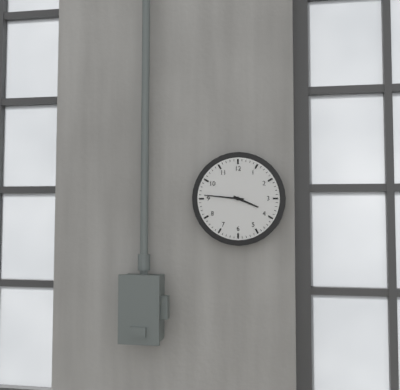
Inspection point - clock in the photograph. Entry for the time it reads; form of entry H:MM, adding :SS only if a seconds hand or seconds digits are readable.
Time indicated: 3:46
